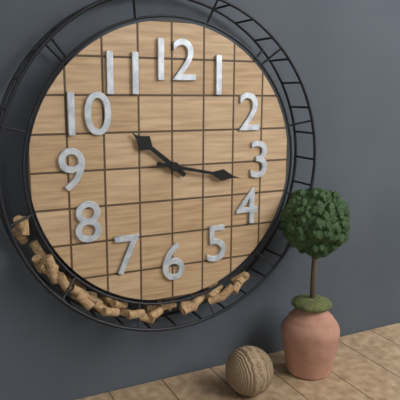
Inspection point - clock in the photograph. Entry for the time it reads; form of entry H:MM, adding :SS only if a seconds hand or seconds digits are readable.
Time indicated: 10:17
